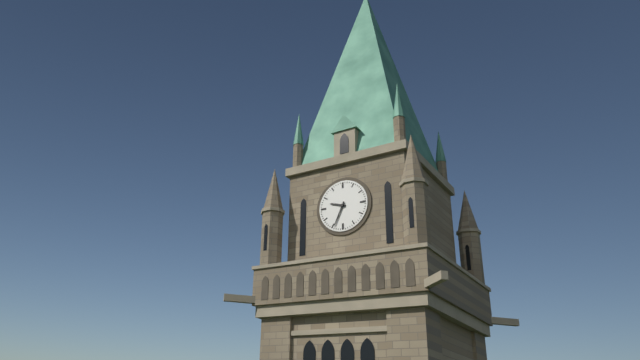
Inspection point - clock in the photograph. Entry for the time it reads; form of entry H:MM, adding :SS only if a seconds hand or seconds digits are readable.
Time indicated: 9:34
